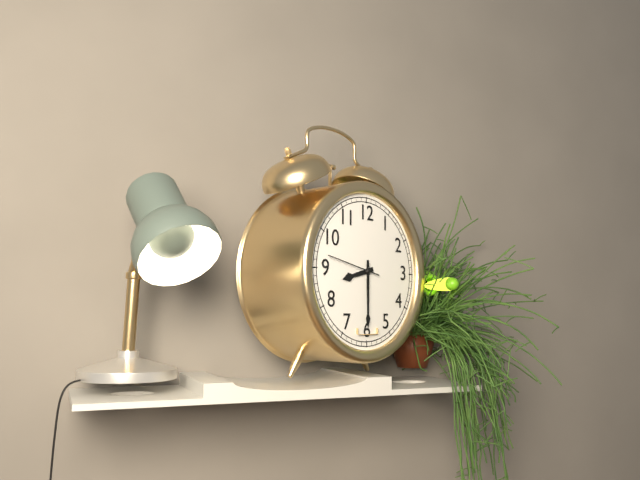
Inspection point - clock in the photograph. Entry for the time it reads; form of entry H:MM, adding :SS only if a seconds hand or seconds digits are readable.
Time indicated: 8:30:47
